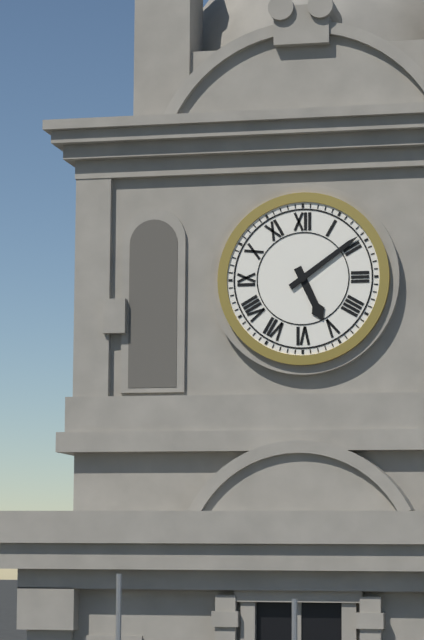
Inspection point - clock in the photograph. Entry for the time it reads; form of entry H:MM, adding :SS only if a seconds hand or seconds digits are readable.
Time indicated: 5:09
